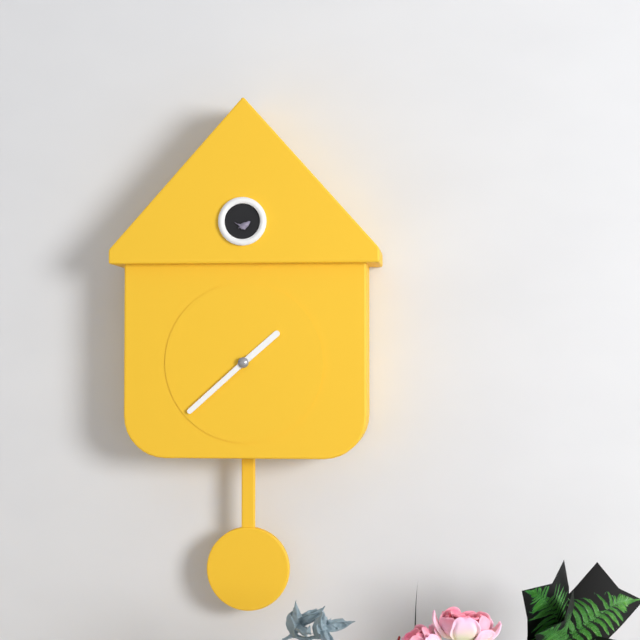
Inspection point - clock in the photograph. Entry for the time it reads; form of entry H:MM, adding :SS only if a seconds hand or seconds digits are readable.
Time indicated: 1:38
